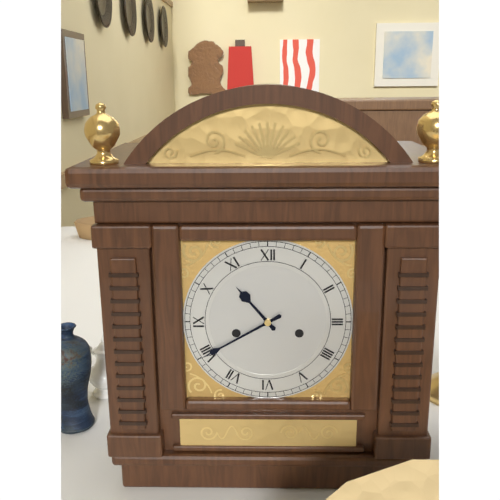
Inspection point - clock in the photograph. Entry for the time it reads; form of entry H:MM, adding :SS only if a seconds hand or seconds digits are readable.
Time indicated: 10:40
